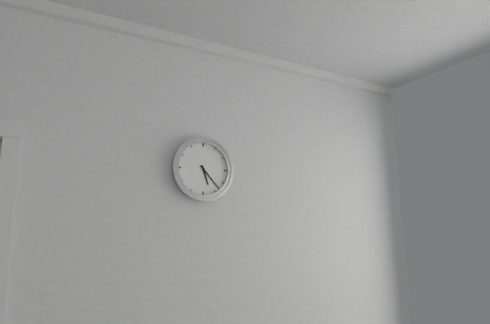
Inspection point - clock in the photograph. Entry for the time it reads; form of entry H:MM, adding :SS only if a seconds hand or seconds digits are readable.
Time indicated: 5:23
